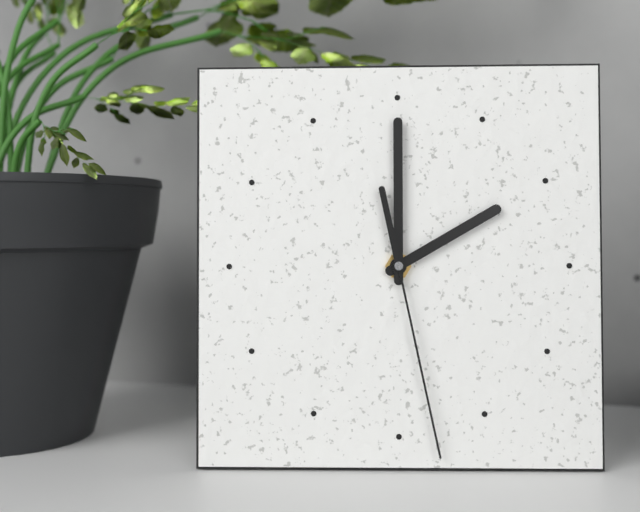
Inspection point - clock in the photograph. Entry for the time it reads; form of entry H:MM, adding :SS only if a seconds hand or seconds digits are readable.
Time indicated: 2:00:28
